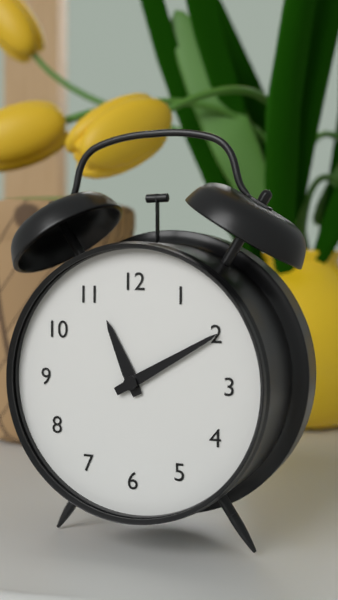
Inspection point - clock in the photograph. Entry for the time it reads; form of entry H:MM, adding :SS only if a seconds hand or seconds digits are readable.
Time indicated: 11:10
